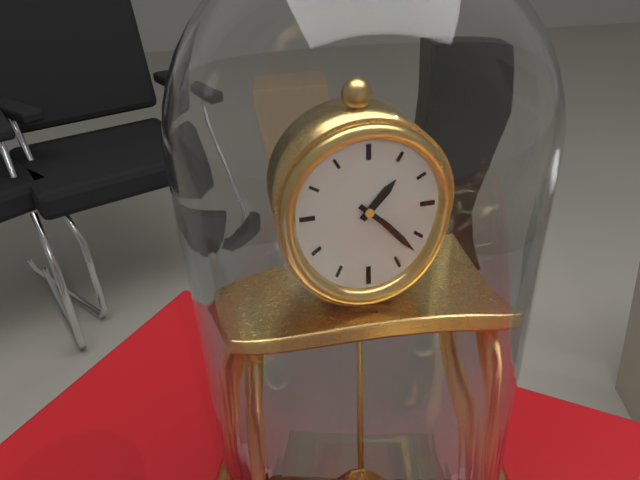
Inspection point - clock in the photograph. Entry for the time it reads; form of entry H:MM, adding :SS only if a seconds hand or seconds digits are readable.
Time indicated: 1:22
